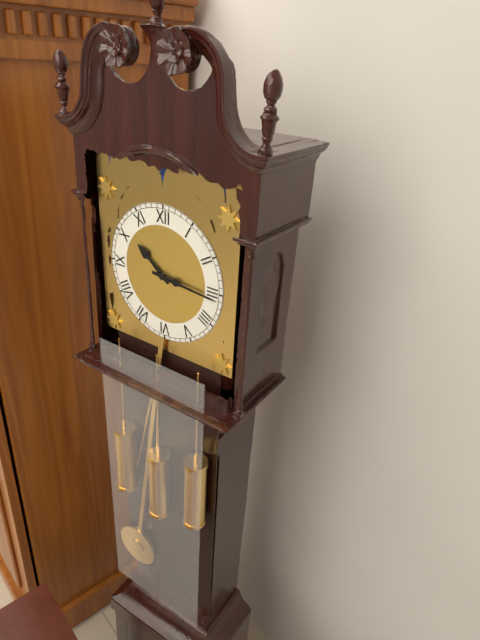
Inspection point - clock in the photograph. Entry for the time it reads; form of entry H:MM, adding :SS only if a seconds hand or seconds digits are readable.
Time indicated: 10:16
